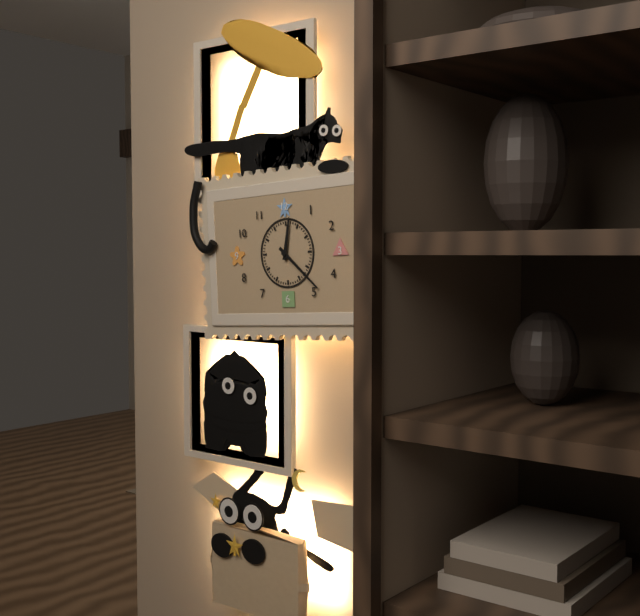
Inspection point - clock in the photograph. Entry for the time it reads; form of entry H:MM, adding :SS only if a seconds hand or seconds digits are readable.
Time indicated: 12:22
